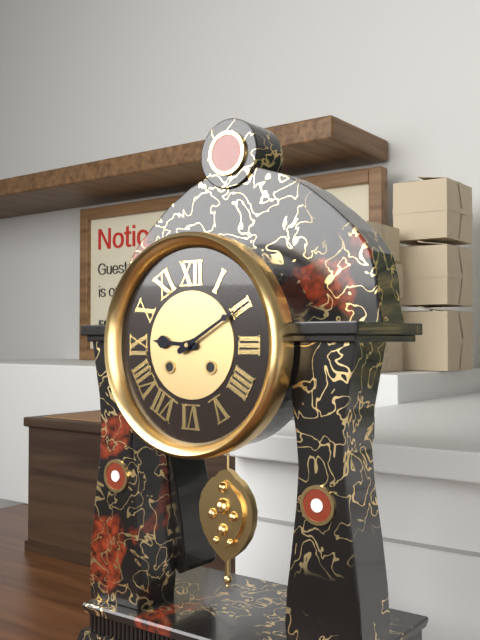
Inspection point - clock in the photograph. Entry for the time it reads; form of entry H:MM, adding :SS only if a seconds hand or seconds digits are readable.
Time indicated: 9:10
